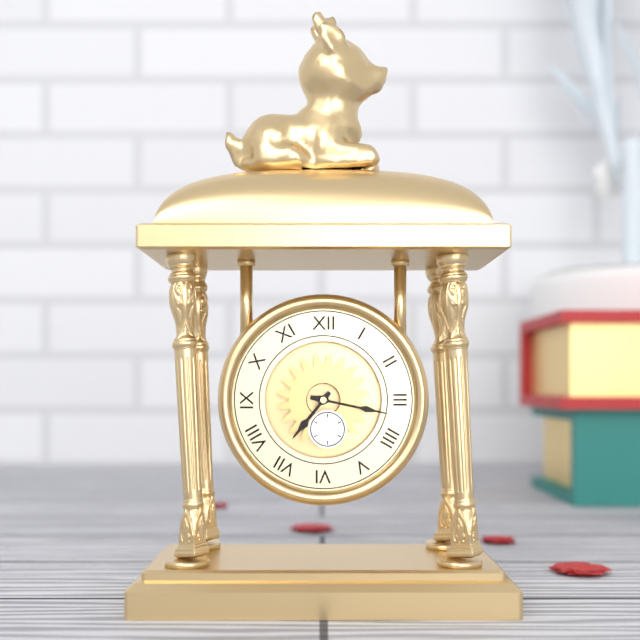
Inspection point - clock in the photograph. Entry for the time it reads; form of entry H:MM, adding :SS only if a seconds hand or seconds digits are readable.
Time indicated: 7:17
